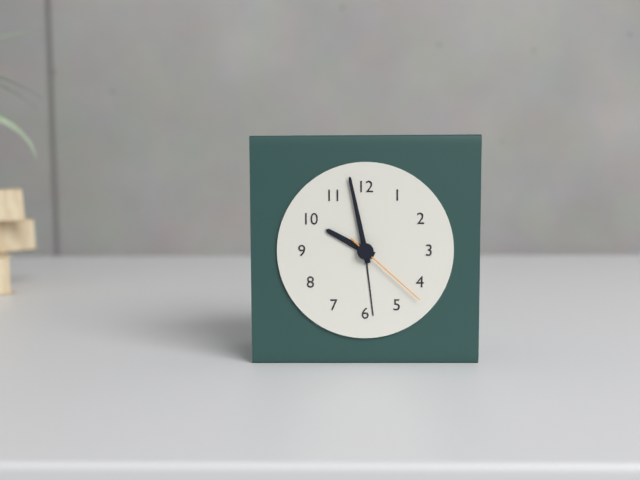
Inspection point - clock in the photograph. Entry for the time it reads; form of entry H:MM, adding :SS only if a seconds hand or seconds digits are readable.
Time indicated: 9:58:22
